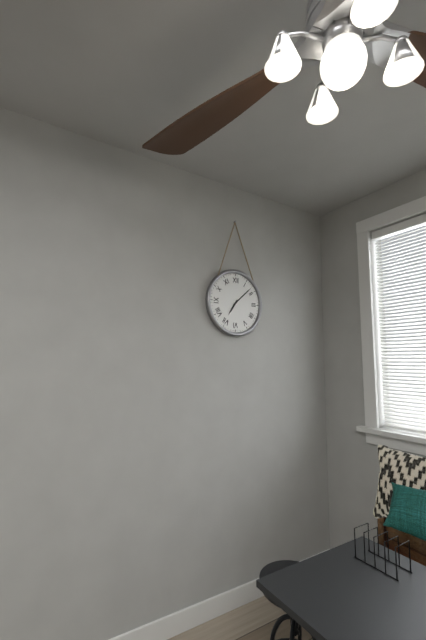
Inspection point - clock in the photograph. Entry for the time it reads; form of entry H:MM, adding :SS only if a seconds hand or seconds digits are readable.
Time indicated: 7:08
